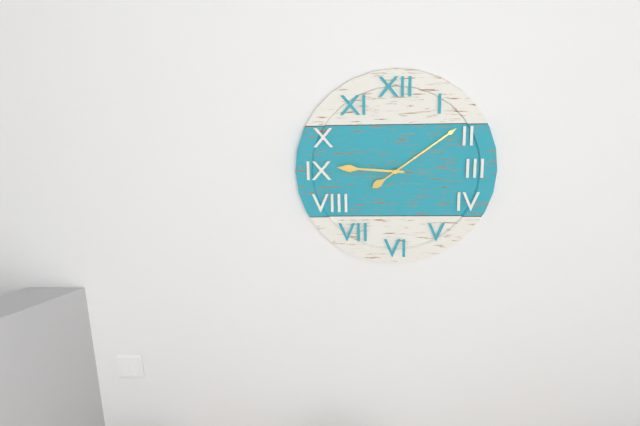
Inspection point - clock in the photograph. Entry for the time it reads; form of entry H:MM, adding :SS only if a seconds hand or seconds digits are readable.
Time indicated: 9:09
